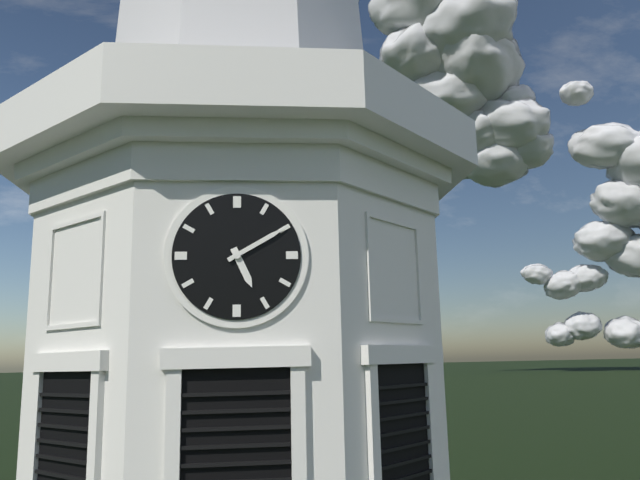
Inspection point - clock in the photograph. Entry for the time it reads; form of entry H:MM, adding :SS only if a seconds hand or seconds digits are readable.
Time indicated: 5:10
